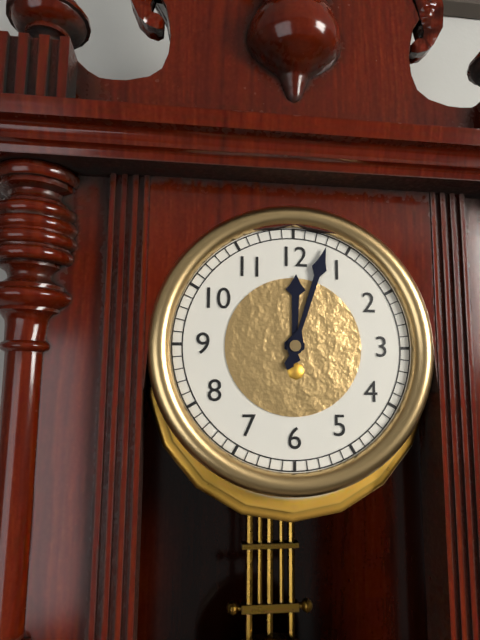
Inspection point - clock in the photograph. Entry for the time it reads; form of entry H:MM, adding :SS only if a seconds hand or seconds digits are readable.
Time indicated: 12:03
